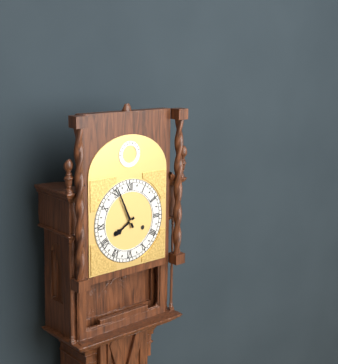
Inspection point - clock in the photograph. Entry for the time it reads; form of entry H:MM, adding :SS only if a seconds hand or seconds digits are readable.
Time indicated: 7:56
